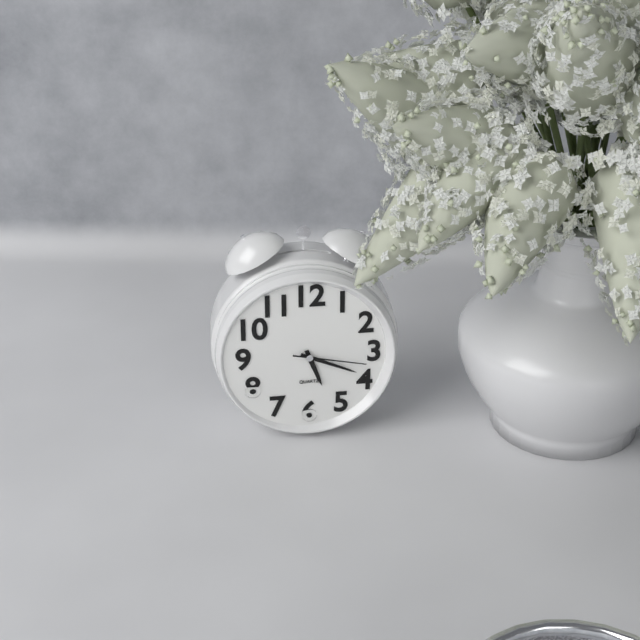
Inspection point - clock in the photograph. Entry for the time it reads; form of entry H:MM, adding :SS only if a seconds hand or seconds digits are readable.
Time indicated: 5:19:17
